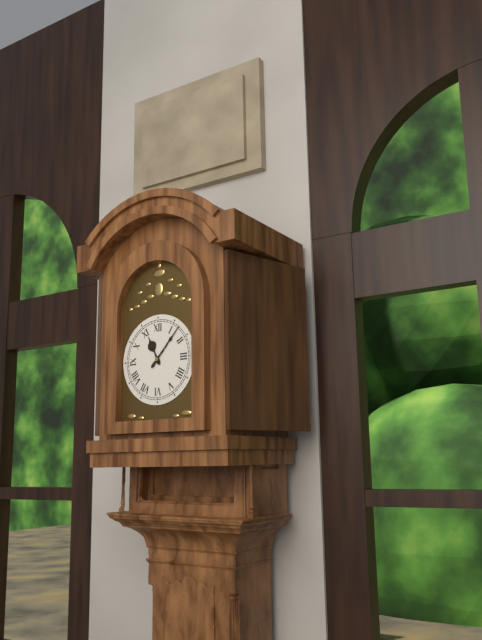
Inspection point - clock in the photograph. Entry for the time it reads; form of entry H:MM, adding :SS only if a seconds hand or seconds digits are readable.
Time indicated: 11:07
